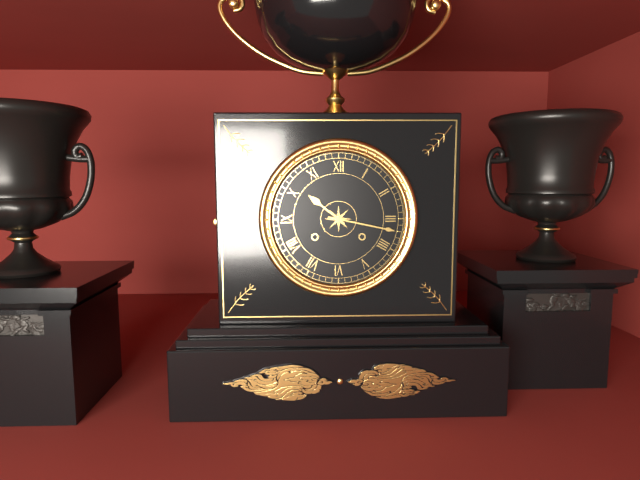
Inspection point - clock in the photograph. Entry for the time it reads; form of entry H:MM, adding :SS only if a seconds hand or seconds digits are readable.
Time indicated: 10:17
